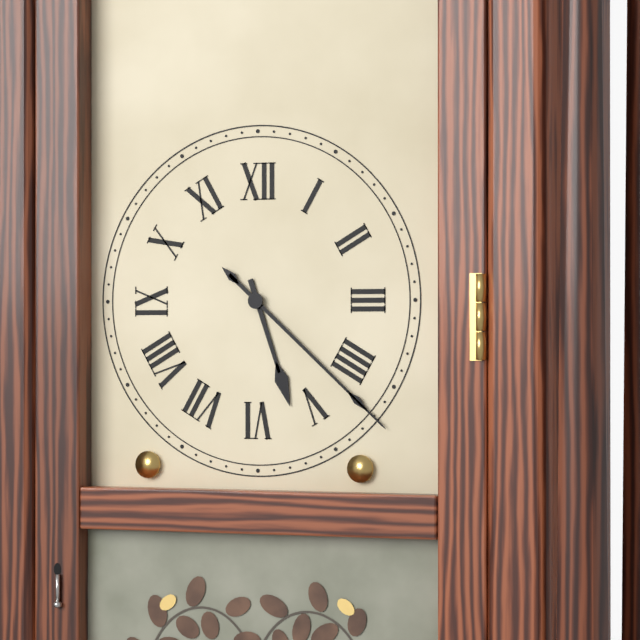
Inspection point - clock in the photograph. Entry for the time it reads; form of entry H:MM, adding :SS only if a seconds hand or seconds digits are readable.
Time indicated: 5:22
